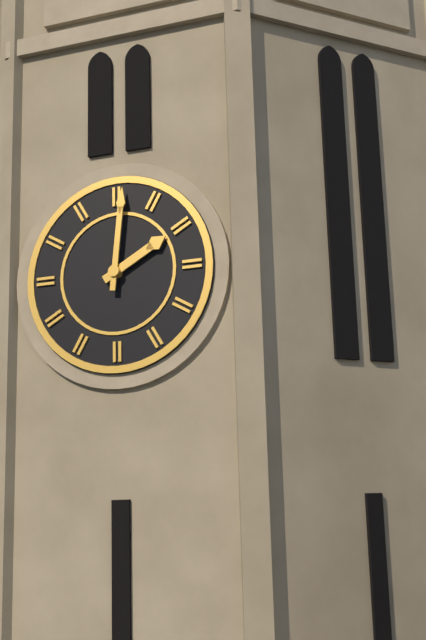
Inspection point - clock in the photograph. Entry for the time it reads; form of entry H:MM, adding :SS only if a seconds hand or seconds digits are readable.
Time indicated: 2:01
